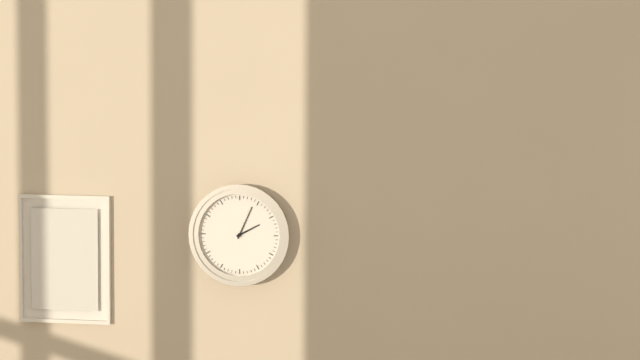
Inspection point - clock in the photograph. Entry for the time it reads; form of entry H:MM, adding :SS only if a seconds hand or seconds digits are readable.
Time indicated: 2:04
